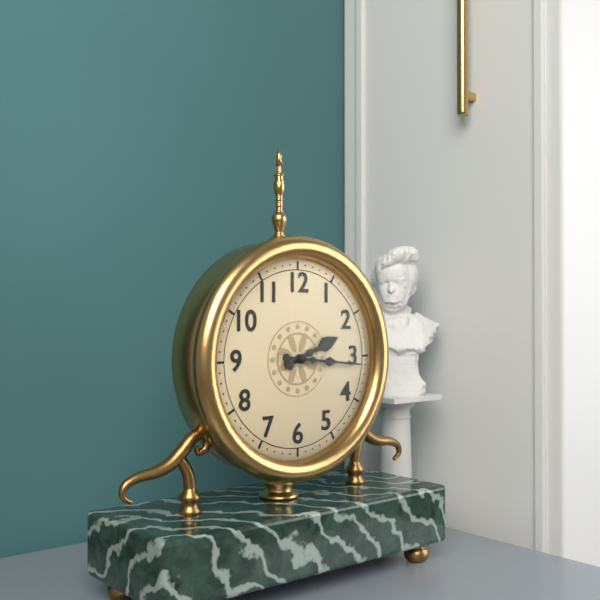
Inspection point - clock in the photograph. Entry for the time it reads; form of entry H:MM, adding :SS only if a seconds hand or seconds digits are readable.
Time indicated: 2:16
